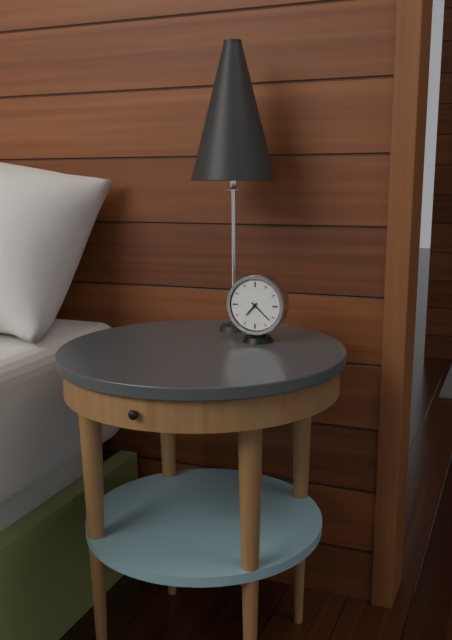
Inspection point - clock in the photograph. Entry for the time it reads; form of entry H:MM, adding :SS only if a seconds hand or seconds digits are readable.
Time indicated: 7:22
